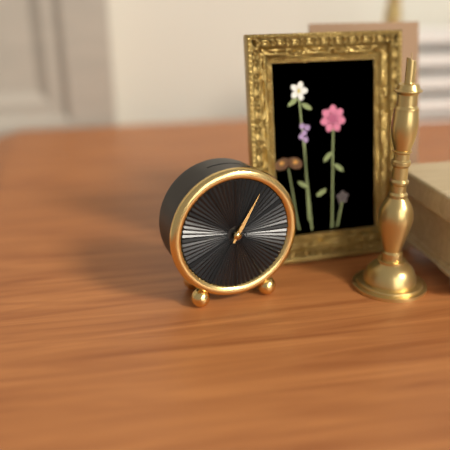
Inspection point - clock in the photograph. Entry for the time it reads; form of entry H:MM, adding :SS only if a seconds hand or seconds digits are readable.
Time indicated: 1:05
